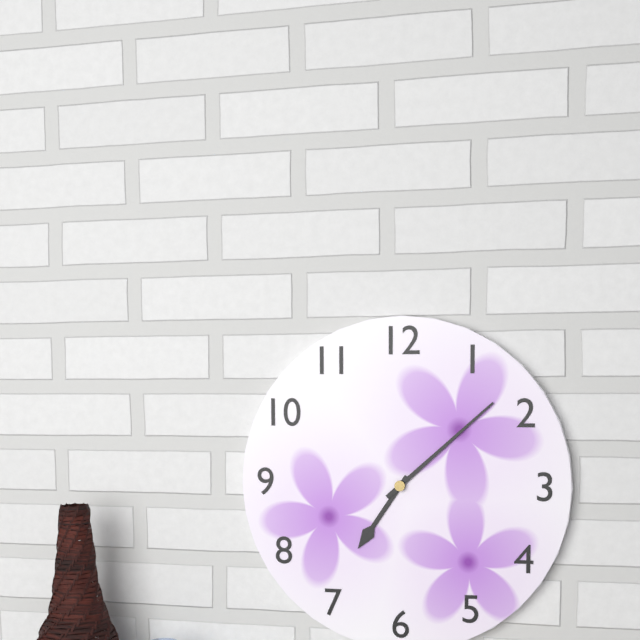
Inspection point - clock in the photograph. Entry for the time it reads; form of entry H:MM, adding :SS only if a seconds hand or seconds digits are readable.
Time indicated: 7:08
